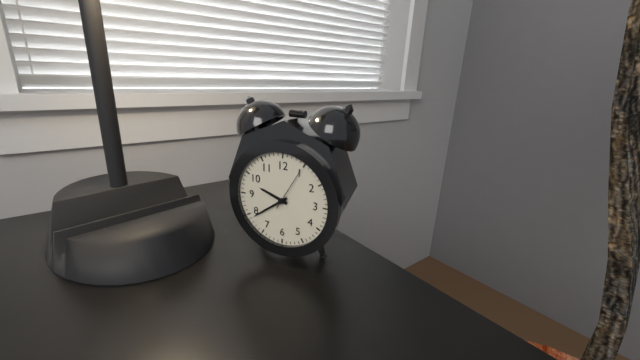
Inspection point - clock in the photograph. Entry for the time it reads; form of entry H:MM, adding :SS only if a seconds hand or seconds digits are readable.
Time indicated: 9:39
